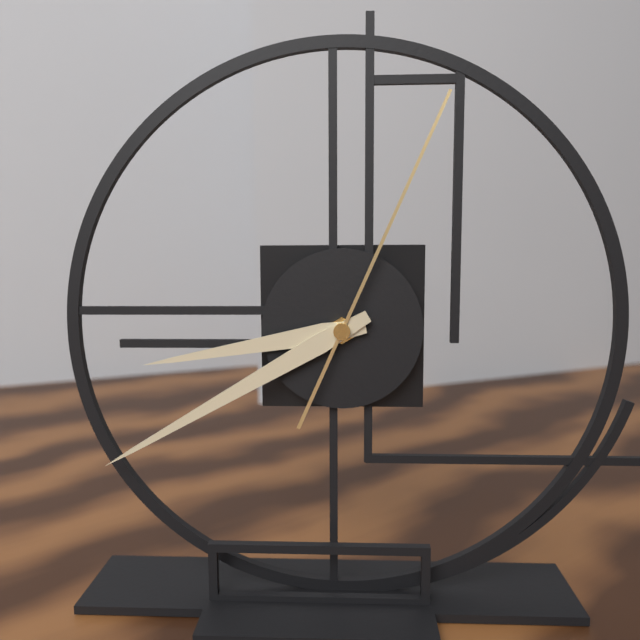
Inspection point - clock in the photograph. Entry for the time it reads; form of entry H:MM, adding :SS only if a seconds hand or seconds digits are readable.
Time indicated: 8:40:04
